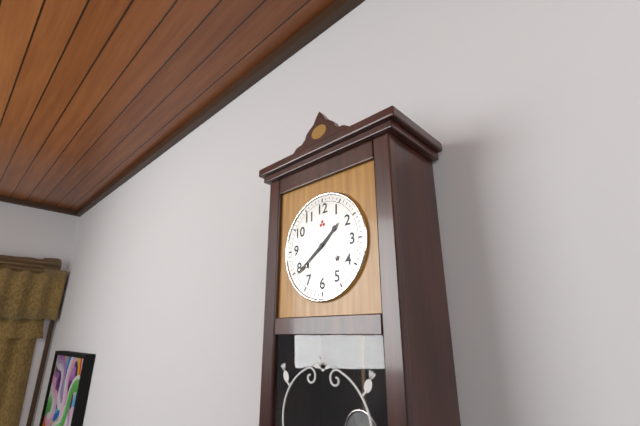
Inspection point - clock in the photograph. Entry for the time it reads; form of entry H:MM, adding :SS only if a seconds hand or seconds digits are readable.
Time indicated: 1:39
